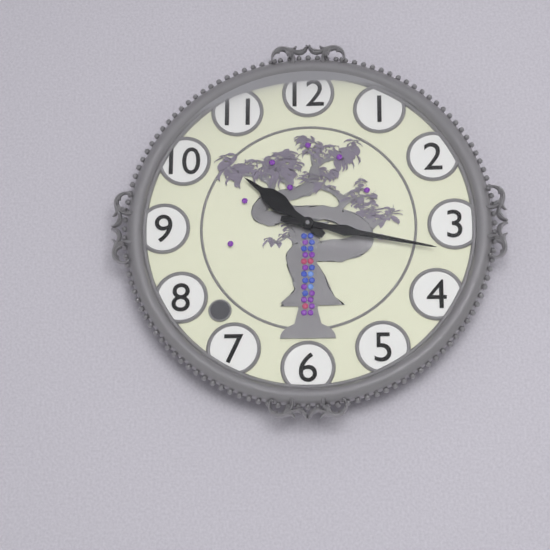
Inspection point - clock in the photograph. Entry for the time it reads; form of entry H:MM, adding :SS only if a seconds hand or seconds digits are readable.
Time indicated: 10:17
